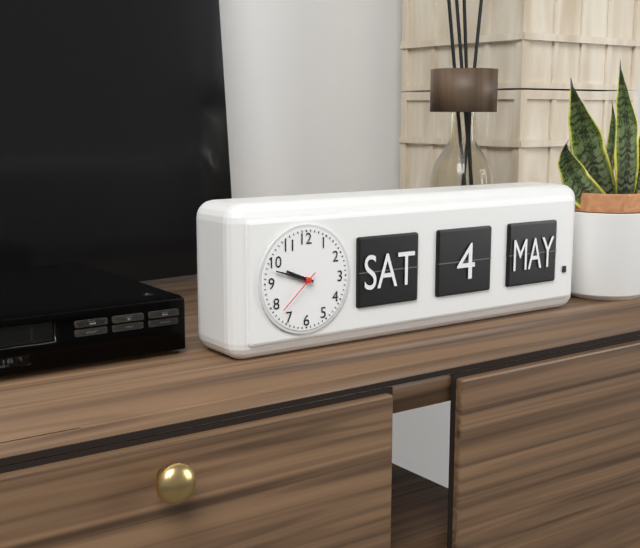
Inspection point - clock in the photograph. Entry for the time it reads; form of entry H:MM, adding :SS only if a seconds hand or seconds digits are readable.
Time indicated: 9:48
